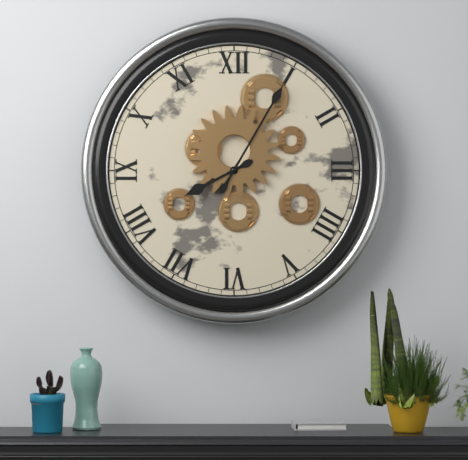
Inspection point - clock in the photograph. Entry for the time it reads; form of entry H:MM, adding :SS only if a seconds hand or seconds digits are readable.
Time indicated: 8:05
